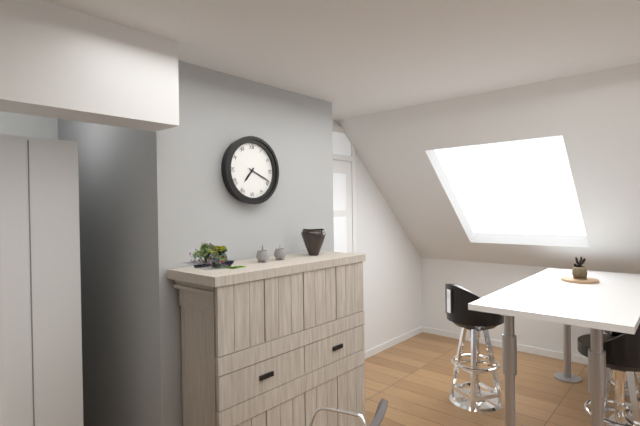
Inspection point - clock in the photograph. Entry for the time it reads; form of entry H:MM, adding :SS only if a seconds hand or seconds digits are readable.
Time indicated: 7:19
